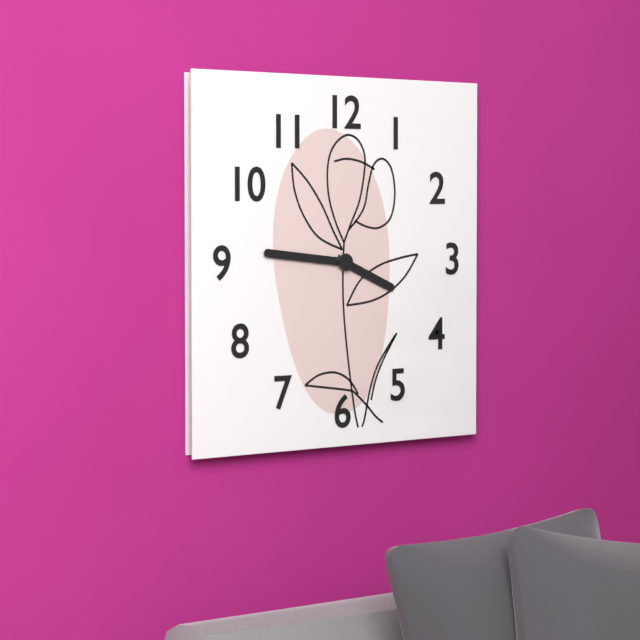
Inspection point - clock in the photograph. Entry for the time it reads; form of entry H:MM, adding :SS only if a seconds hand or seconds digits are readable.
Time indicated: 3:46
